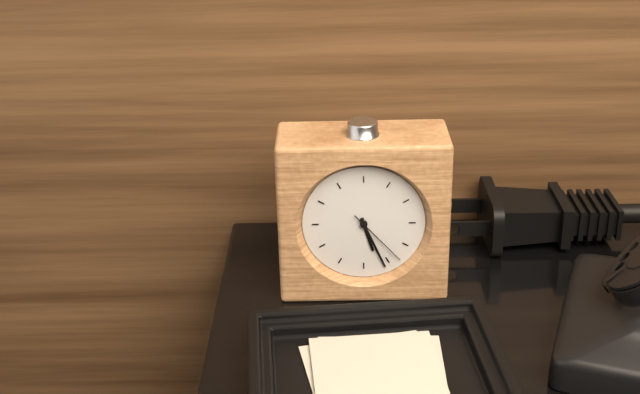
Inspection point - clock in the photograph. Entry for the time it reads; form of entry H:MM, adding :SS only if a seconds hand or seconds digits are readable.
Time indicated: 5:26:23
